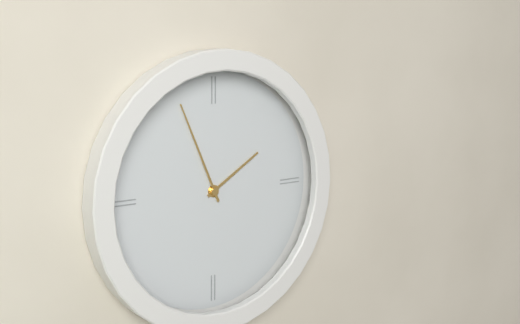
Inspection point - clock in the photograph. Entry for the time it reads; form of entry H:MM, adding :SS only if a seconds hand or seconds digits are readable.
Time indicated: 1:56
